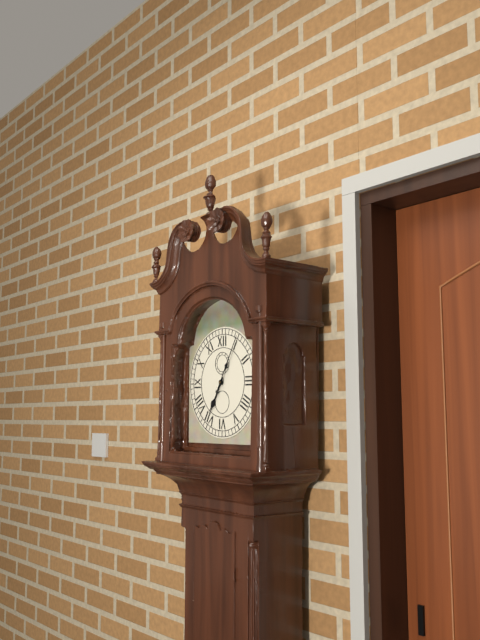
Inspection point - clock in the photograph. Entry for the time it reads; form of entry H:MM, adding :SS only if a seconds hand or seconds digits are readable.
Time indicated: 7:05
